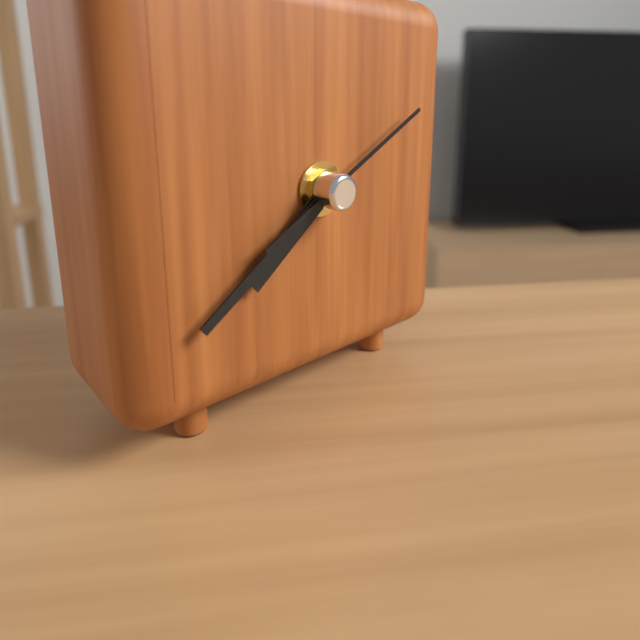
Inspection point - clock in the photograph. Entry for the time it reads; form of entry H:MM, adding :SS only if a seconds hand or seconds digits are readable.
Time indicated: 7:39:10
